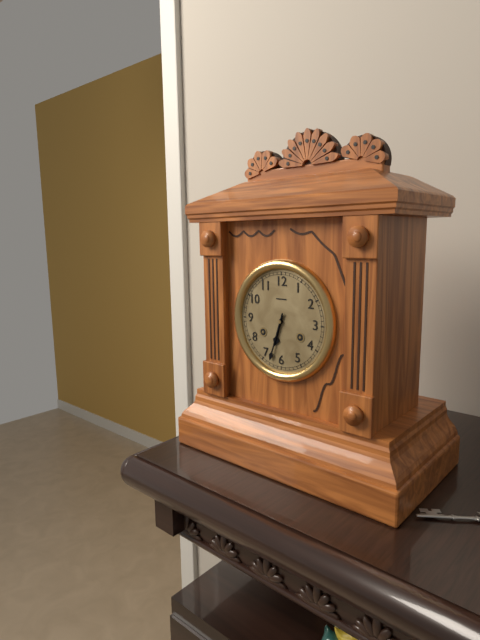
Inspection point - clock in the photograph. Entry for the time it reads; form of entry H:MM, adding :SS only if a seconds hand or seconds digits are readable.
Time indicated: 6:33
